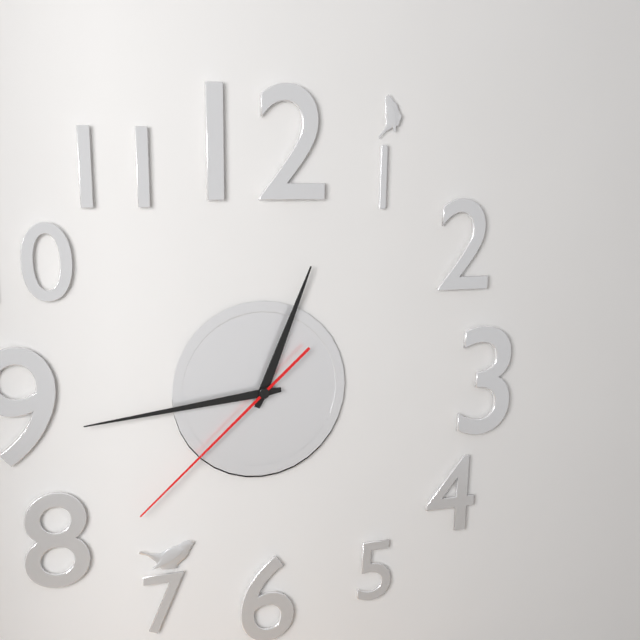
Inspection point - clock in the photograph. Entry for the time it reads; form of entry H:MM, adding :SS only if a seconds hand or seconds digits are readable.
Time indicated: 12:44:38
